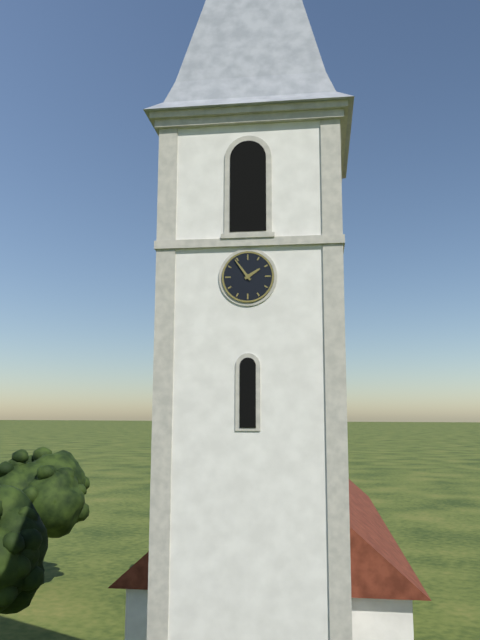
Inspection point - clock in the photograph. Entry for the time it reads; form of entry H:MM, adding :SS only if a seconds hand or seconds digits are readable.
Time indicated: 1:54
